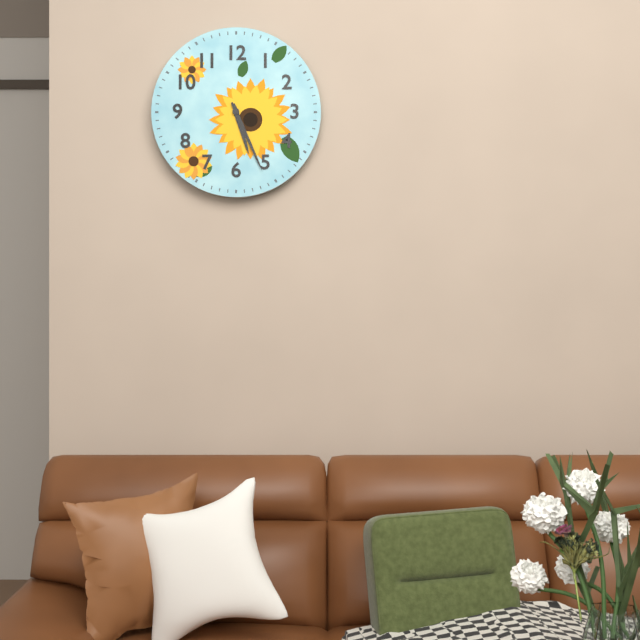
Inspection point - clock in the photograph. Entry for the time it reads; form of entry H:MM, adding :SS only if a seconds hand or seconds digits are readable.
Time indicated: 5:26
